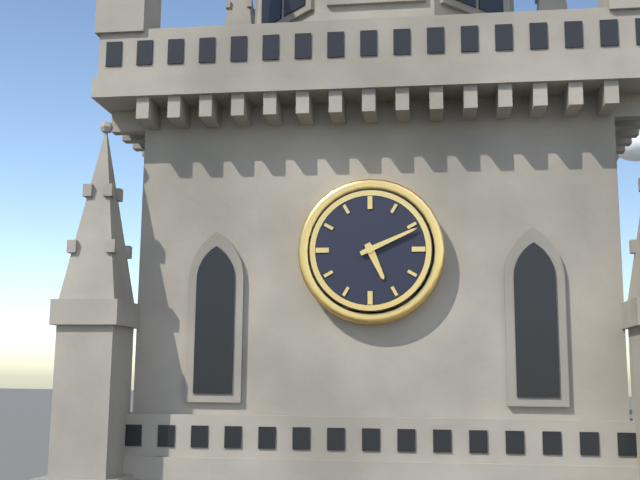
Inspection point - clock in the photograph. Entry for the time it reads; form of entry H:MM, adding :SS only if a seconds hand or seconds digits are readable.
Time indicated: 5:11
